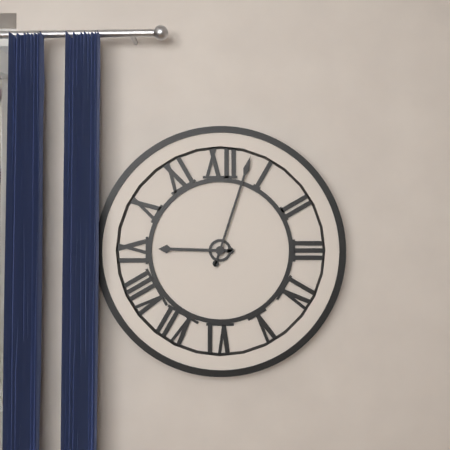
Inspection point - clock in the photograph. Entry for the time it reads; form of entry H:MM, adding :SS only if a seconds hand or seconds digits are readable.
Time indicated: 9:03
